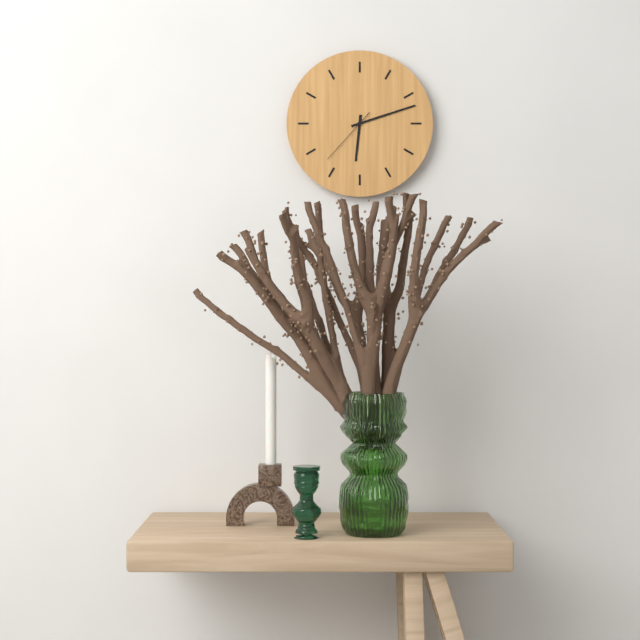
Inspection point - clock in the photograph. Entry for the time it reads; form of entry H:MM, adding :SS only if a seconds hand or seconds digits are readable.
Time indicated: 6:12:37
